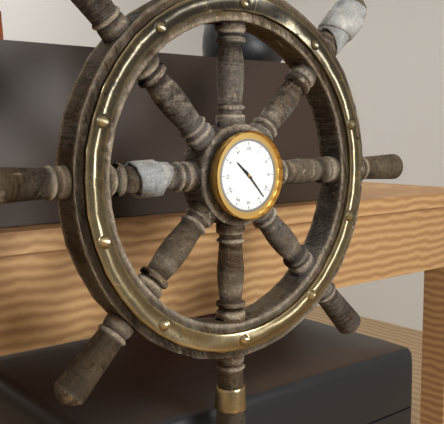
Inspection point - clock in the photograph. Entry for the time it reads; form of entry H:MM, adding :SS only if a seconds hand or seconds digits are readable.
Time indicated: 10:23
